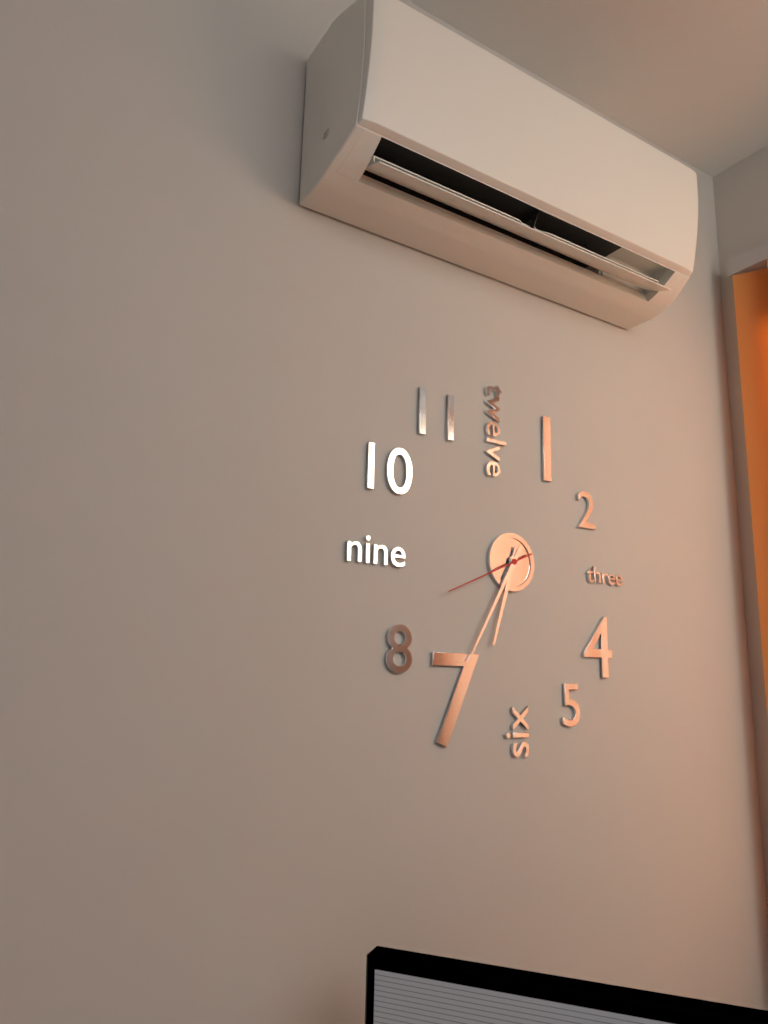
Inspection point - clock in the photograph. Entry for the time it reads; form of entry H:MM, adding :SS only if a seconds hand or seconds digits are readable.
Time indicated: 6:35:41
